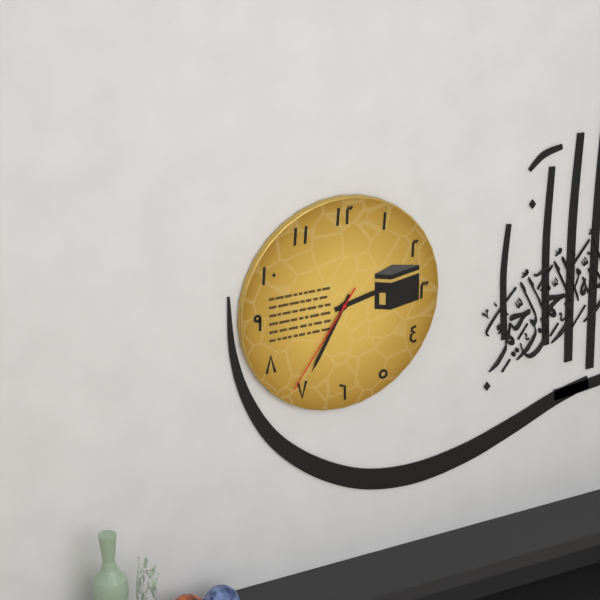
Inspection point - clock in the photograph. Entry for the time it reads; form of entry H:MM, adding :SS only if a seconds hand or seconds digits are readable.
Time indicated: 2:35:36
